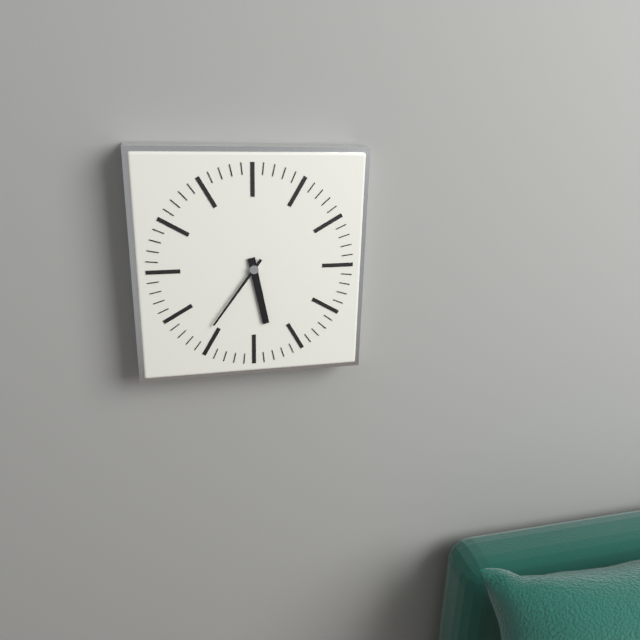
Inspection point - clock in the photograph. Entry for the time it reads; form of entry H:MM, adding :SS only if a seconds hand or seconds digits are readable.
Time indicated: 5:36
